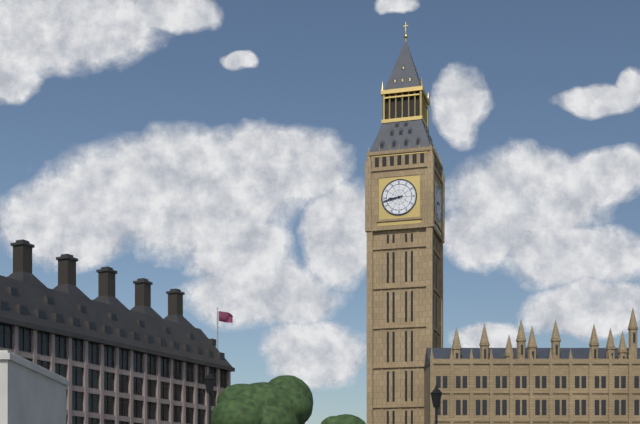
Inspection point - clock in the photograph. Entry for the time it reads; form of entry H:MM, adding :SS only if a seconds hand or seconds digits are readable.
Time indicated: 8:43
